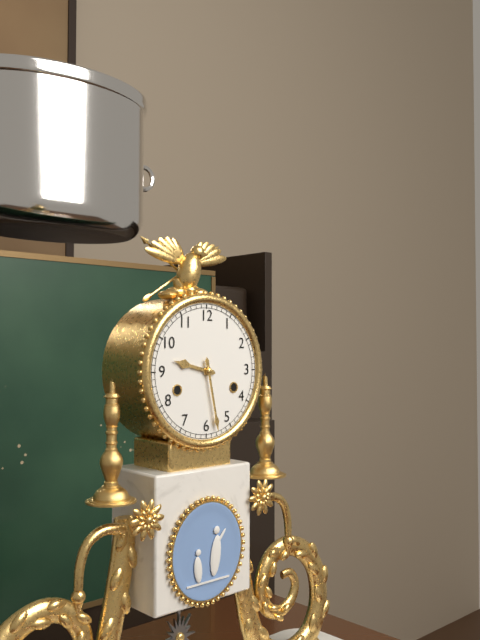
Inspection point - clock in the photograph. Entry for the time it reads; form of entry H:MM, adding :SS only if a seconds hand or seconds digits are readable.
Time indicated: 9:28
